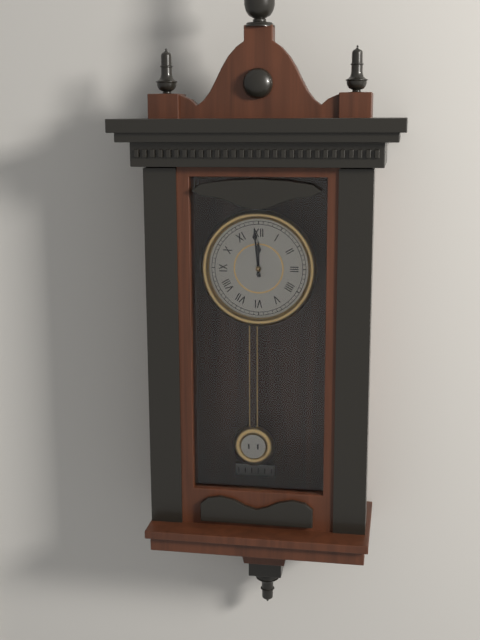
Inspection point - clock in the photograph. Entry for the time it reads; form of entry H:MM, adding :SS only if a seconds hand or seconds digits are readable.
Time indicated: 11:59
